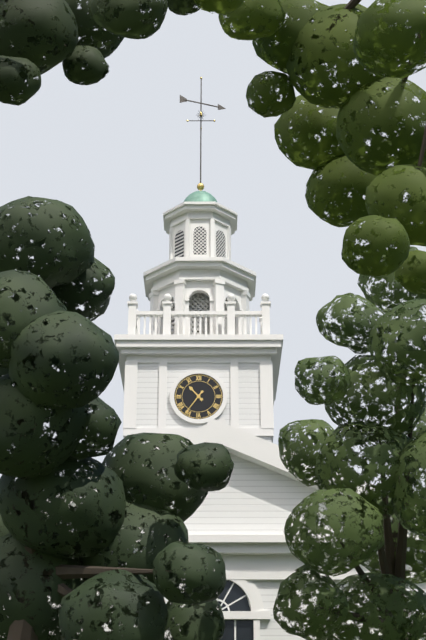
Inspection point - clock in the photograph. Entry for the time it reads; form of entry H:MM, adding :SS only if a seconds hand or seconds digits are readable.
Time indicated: 10:36
